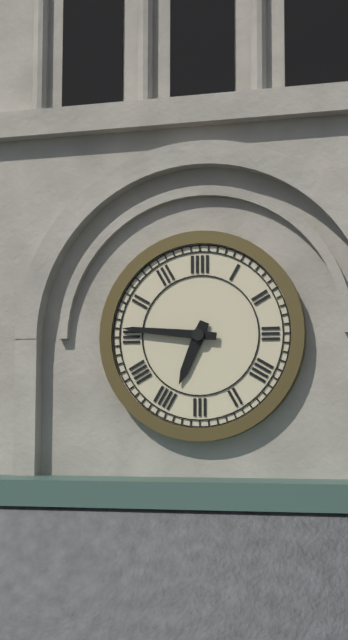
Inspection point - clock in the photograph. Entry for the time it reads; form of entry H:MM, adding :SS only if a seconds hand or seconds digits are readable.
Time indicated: 6:46
